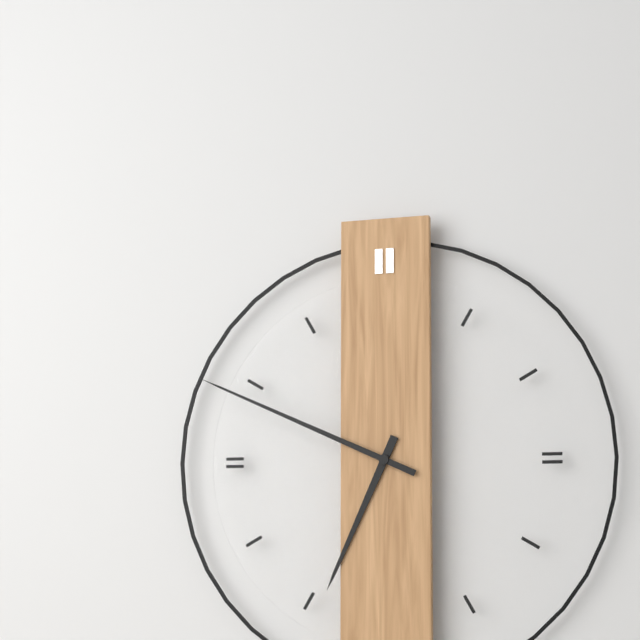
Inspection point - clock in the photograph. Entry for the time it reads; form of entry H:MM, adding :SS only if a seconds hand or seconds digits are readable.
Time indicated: 6:49
